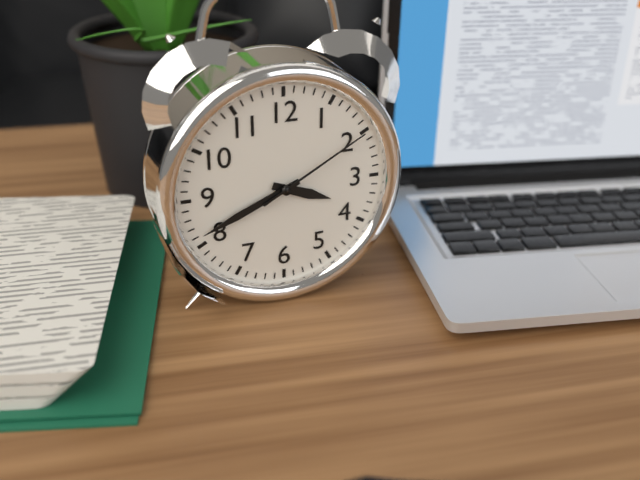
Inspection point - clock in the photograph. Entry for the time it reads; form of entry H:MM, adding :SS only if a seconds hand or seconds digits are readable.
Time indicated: 3:41:10
